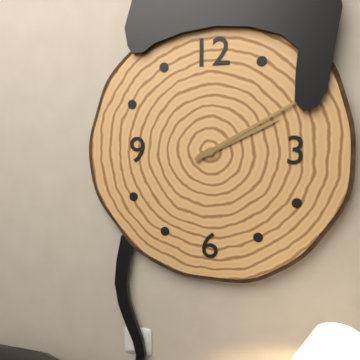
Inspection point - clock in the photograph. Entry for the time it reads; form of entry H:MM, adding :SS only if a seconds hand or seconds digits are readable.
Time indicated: 2:10
